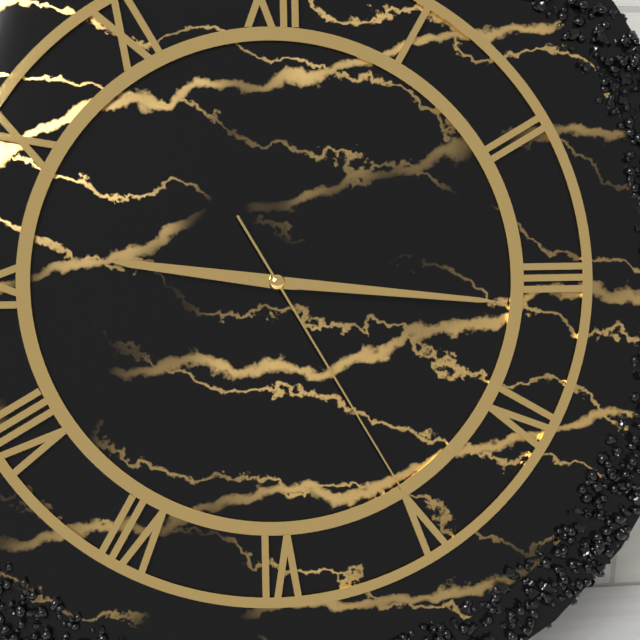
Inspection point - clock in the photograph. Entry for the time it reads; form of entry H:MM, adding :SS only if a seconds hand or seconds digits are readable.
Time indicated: 9:16:25
